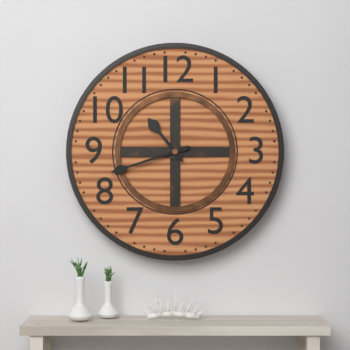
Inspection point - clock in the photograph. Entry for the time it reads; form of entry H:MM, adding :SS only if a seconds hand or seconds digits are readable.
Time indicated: 10:42
